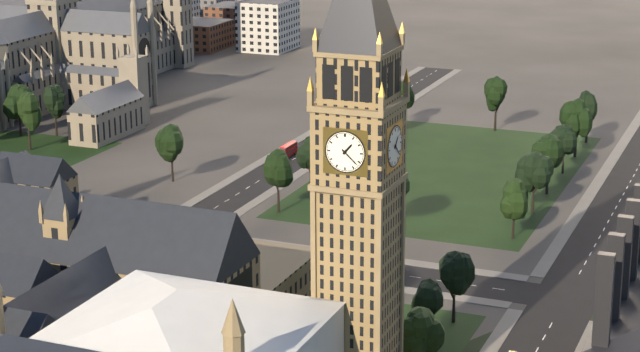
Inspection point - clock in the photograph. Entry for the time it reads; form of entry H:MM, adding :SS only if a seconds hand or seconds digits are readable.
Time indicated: 1:22
